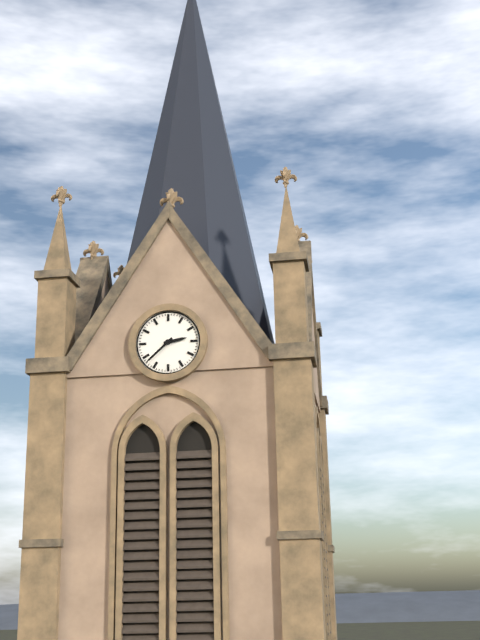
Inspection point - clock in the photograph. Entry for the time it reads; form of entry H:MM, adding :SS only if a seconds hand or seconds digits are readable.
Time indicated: 2:38
